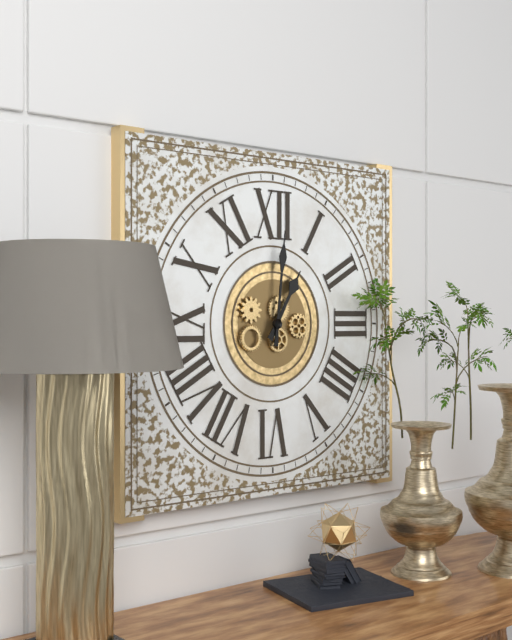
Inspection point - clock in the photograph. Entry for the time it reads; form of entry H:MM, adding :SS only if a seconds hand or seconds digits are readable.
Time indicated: 1:01
